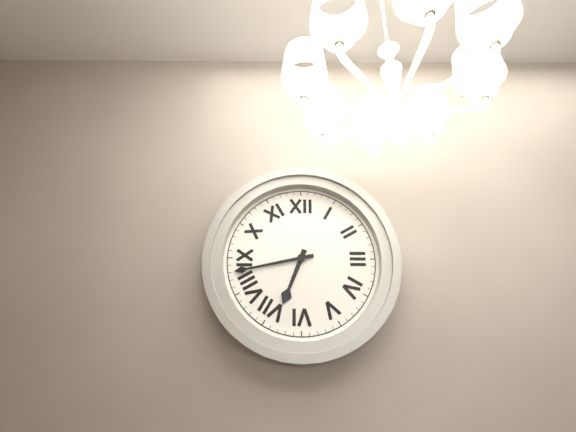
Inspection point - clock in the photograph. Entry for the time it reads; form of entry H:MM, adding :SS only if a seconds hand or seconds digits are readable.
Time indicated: 6:43
